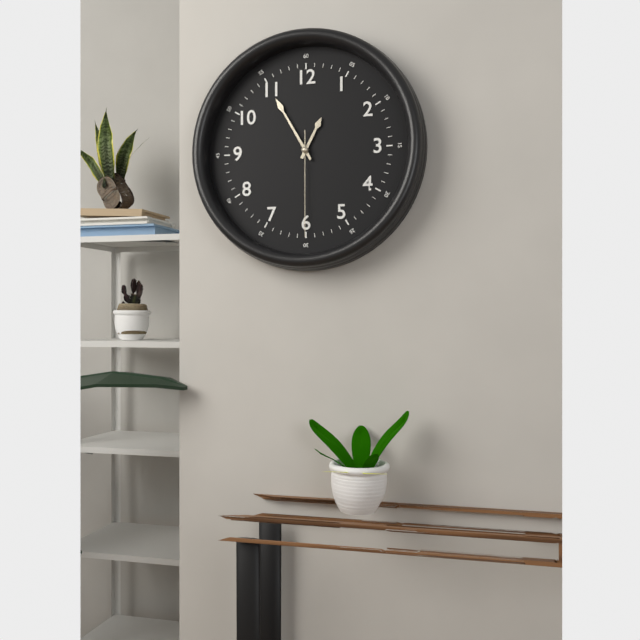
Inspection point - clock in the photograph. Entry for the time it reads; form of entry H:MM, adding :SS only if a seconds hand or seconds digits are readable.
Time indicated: 12:55:30
